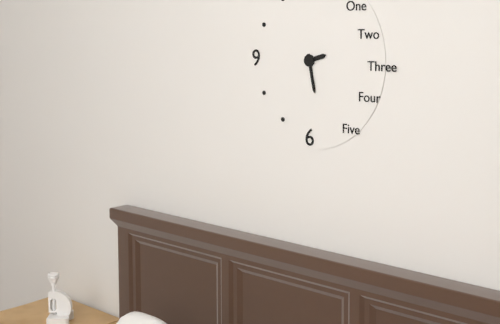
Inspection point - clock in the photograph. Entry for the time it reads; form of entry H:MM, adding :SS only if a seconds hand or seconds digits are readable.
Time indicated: 2:28
